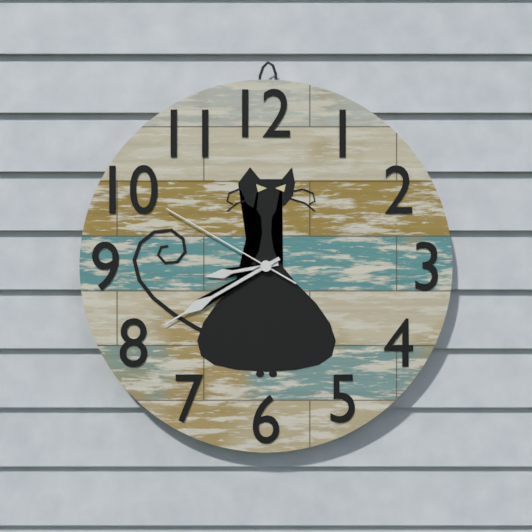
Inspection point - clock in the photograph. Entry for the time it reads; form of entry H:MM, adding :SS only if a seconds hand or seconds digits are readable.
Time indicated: 8:40:50
